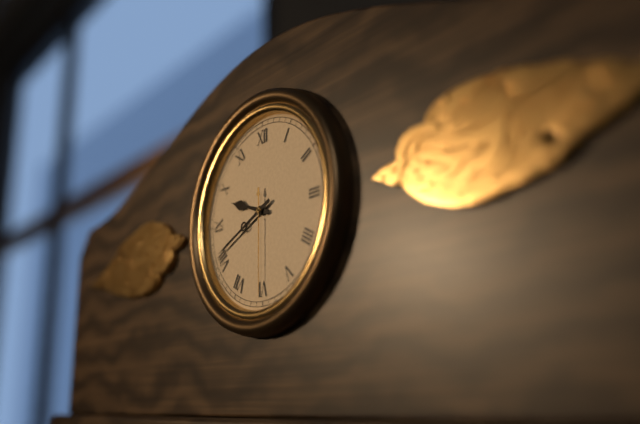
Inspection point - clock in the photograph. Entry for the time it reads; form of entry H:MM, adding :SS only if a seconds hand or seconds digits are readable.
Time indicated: 9:41:30
